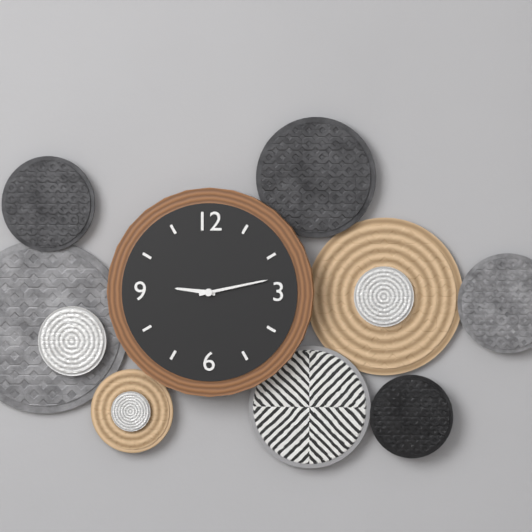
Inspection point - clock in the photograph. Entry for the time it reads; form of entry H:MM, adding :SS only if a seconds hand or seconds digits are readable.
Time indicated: 9:13
